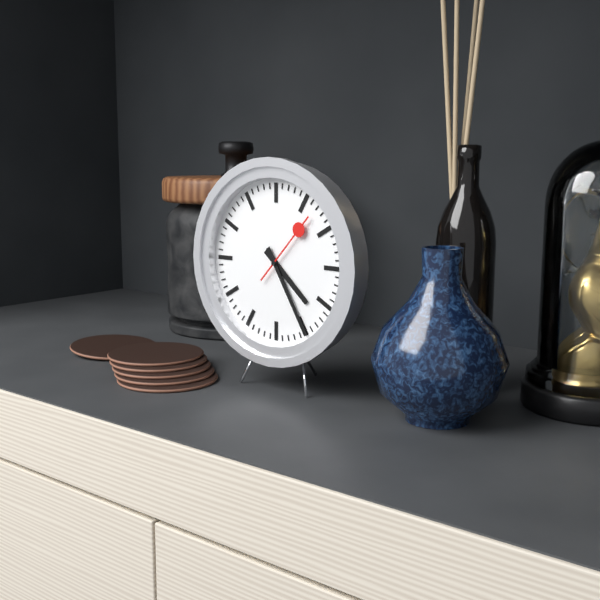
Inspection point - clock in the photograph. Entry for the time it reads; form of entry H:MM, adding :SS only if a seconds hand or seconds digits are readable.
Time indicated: 4:25:07
